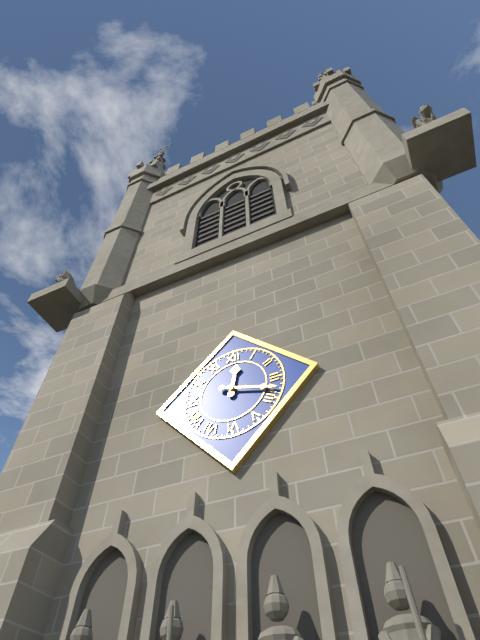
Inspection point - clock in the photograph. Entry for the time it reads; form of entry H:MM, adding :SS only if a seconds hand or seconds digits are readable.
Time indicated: 12:18
